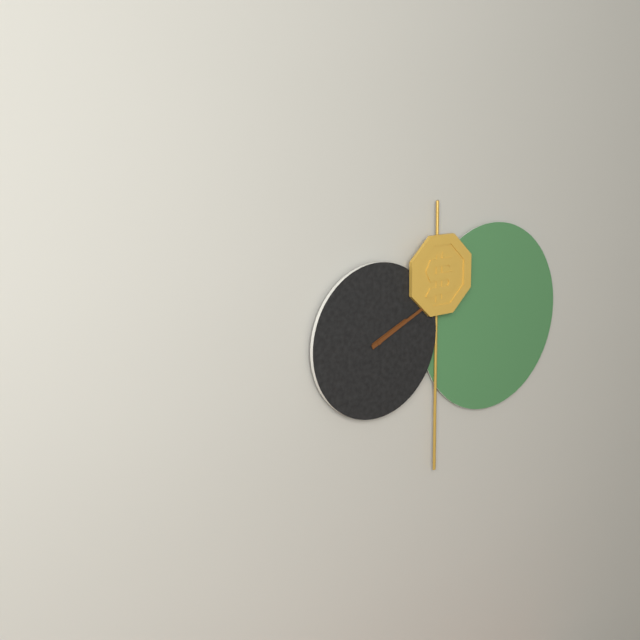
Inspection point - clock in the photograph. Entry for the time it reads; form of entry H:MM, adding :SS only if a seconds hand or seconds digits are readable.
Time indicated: 2:11
